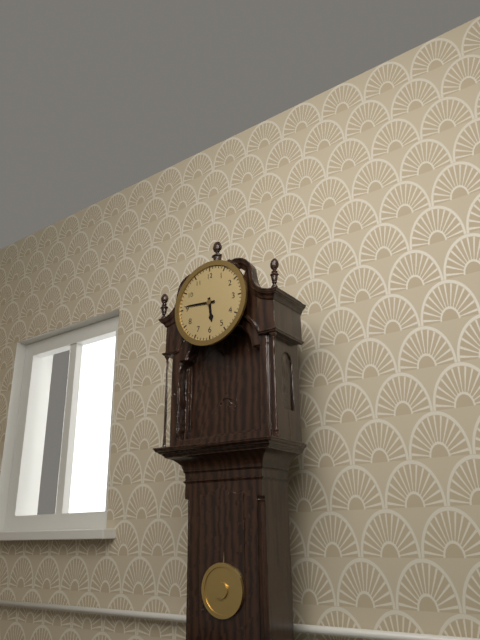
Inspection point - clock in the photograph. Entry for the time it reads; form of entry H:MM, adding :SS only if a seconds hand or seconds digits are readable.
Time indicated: 5:46
